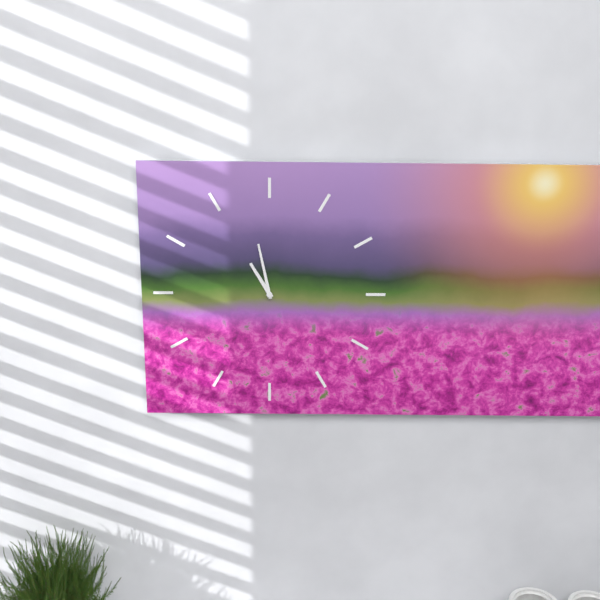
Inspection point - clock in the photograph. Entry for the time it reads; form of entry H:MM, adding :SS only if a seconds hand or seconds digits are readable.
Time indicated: 10:58
